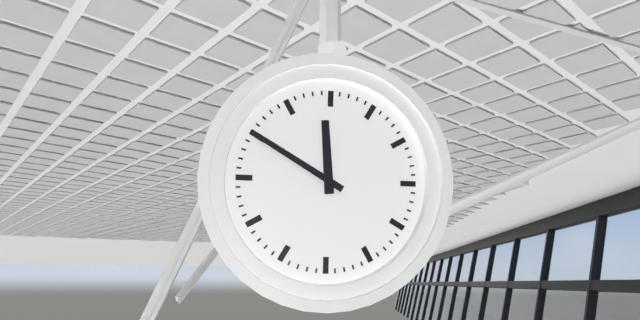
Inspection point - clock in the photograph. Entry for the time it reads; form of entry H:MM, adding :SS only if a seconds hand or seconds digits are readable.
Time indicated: 11:50
